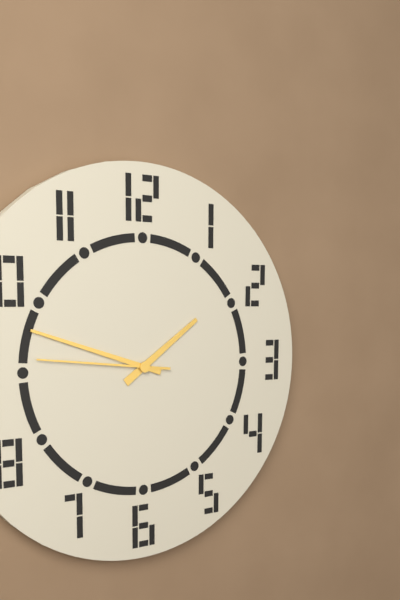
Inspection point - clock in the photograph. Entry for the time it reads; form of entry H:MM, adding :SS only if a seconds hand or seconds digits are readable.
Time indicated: 1:48:46
